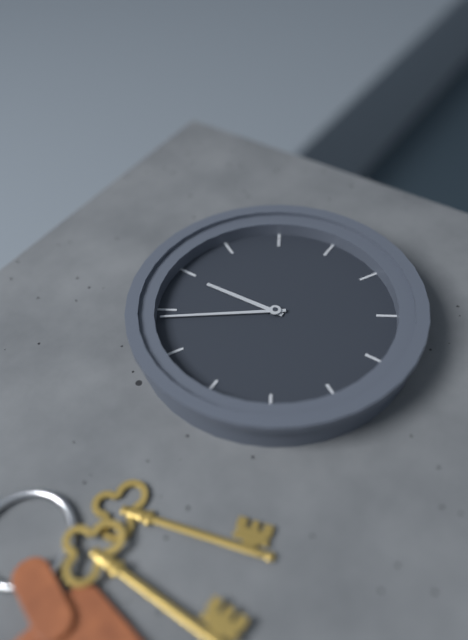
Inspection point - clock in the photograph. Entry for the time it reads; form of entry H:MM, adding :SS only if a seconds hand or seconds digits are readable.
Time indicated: 11:54
